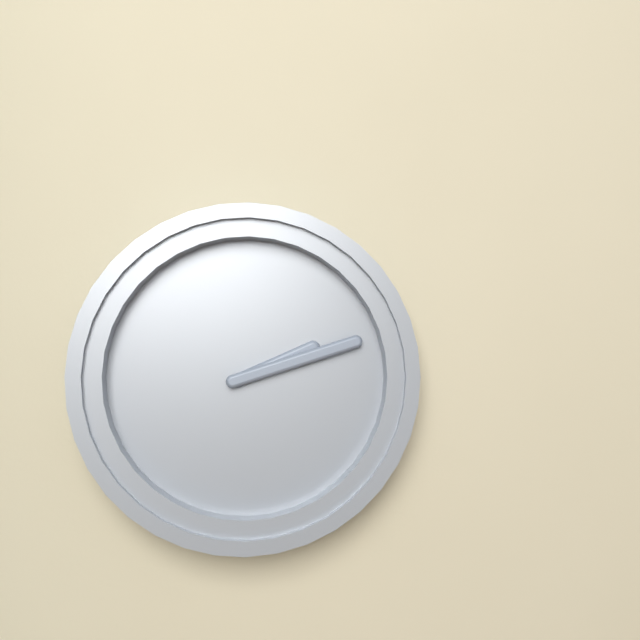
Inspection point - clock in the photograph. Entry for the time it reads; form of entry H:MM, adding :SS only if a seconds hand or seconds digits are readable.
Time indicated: 2:12
